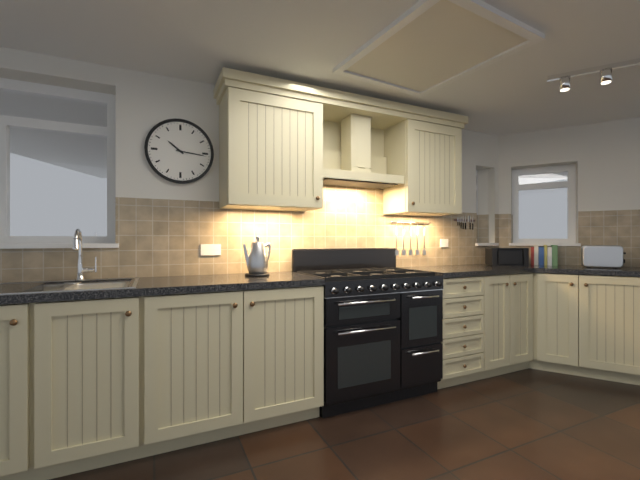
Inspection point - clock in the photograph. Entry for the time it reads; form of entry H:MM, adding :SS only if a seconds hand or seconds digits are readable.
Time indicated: 10:16
